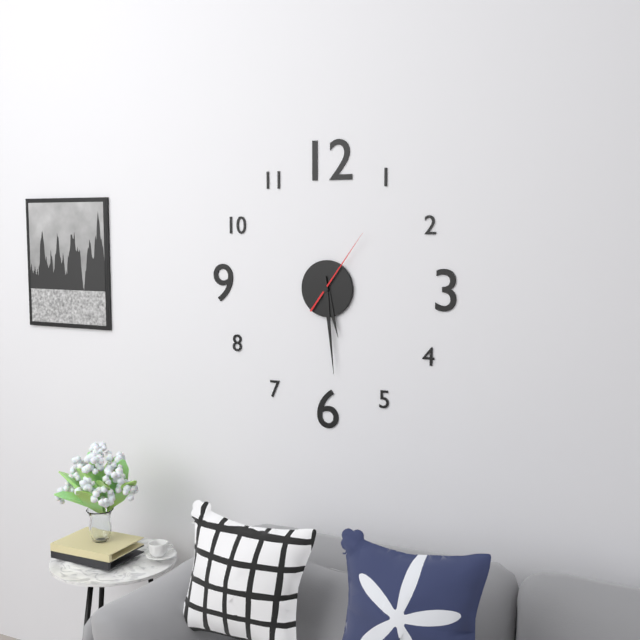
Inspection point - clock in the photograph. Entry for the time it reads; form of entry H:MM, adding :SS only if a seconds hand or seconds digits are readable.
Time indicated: 5:29:06
